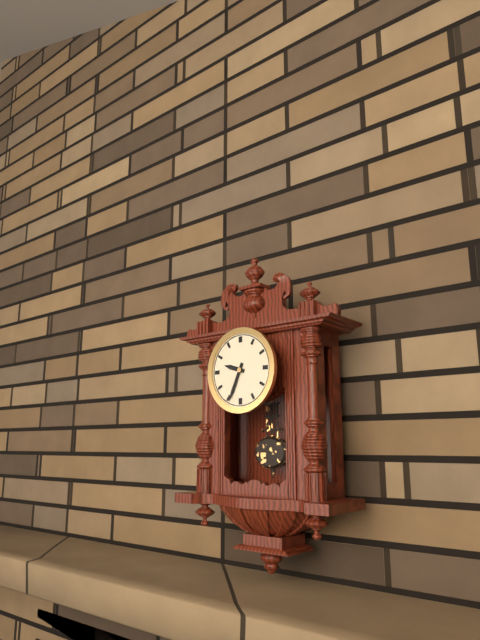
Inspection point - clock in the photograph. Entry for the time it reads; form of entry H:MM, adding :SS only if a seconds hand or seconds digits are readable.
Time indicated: 9:34
